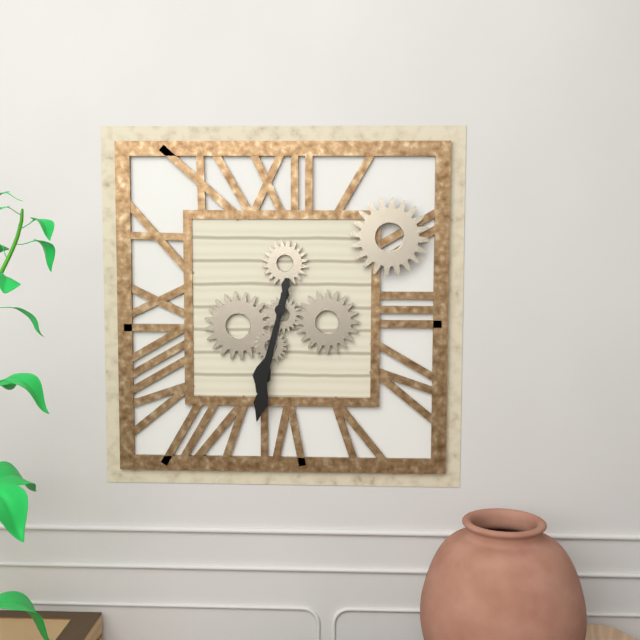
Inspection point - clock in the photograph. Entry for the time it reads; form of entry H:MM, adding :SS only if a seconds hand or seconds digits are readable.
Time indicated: 6:32
